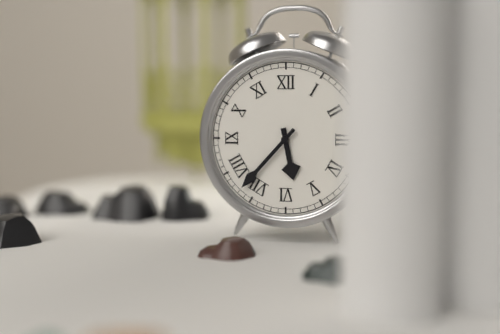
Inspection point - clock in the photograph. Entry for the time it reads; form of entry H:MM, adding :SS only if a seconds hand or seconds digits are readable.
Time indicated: 5:37
